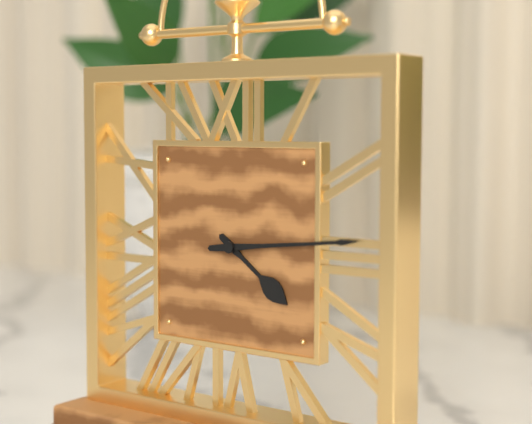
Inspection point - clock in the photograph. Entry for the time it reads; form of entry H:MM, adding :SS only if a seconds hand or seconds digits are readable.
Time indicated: 4:14
